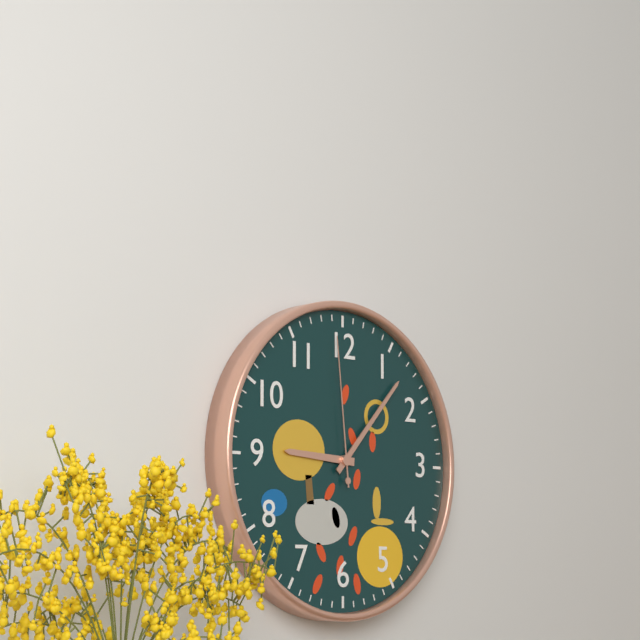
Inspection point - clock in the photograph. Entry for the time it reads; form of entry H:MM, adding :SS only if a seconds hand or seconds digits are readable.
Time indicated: 9:07:59
